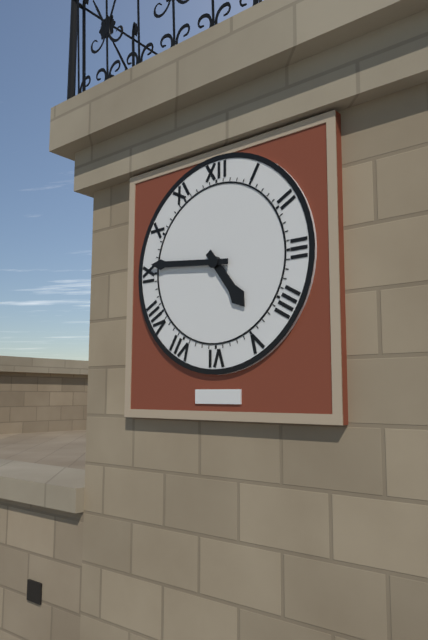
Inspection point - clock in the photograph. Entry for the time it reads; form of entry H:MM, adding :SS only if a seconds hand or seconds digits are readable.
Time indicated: 4:46
